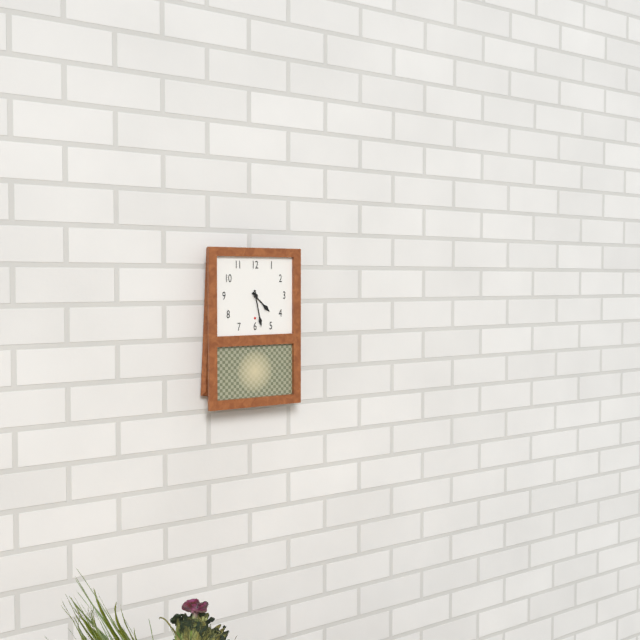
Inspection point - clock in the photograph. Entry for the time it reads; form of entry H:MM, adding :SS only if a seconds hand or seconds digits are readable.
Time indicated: 4:28
